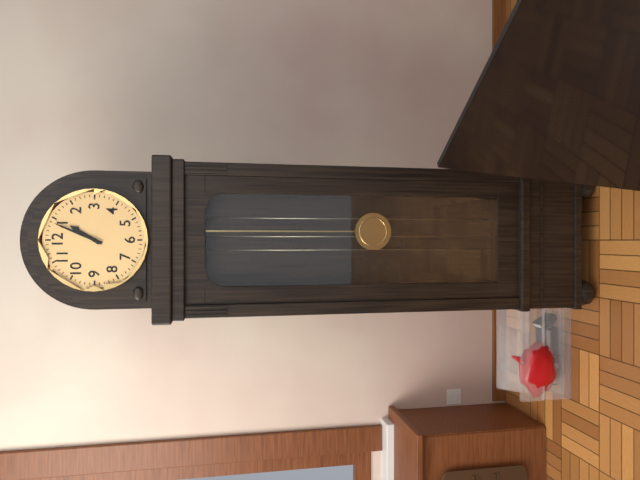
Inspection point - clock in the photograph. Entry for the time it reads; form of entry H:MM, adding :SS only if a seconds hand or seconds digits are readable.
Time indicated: 1:04
